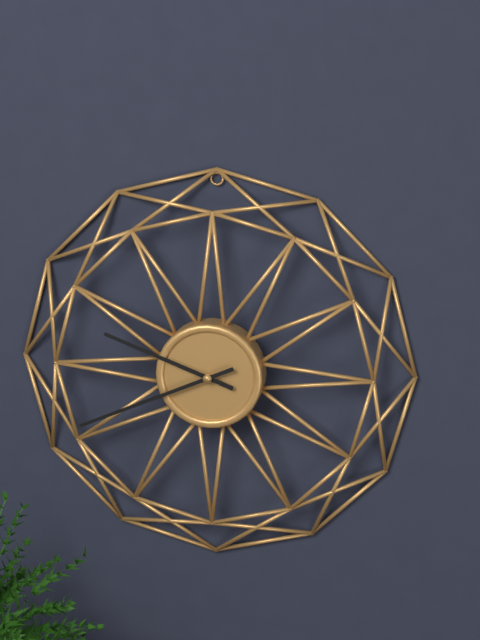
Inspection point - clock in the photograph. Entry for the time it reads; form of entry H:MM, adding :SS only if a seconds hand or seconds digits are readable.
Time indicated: 9:41
